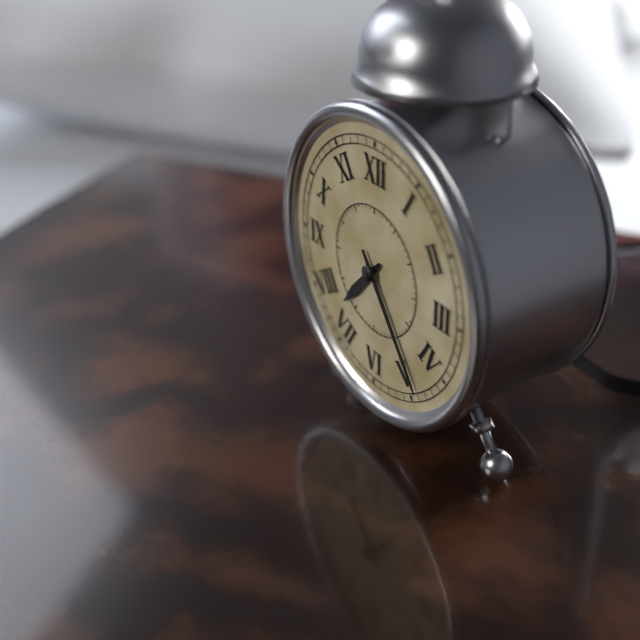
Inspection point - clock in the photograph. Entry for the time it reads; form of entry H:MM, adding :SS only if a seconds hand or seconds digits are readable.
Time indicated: 7:24
